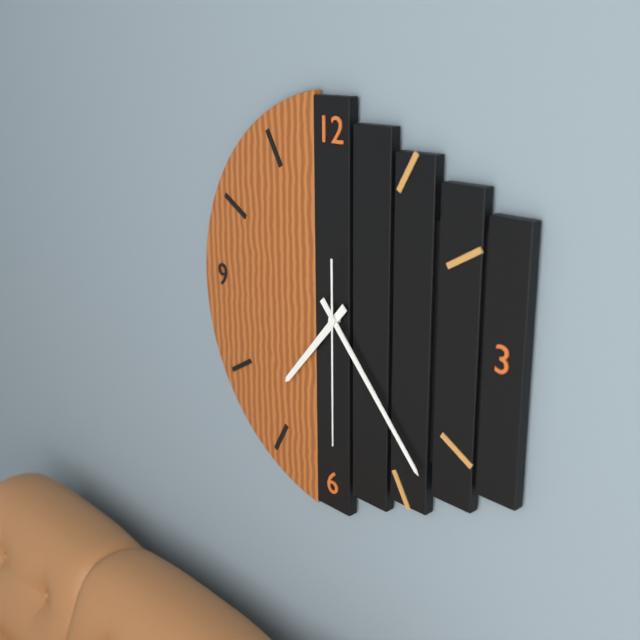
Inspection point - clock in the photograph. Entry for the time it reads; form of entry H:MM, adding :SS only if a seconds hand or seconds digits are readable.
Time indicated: 7:23:30
